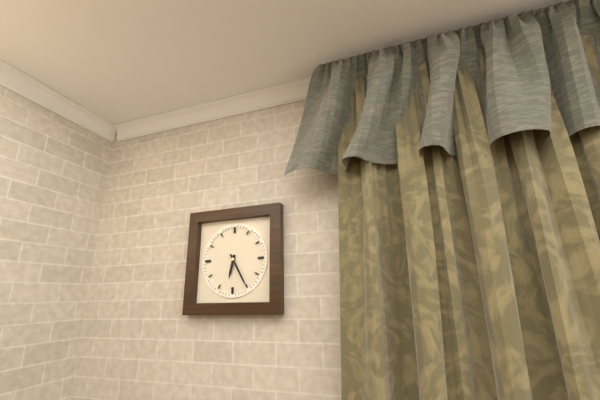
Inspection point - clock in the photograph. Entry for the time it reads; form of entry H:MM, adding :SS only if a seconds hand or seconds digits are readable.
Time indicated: 6:25
